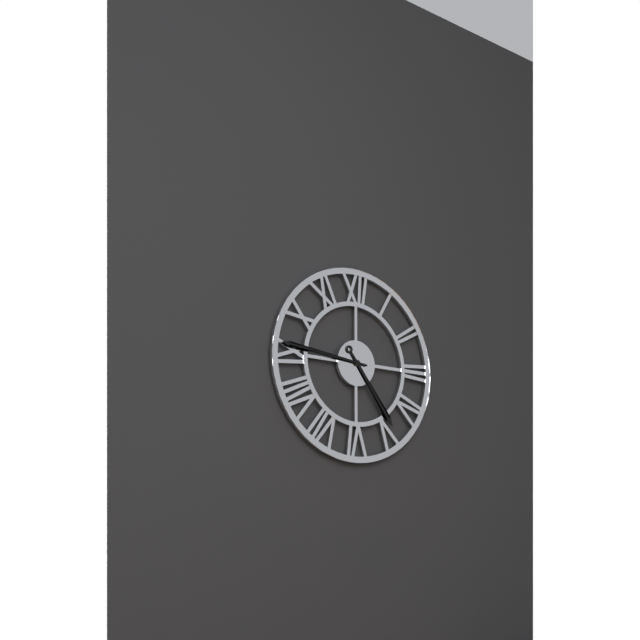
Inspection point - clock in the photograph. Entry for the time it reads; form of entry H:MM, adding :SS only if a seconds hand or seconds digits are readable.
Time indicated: 4:46
